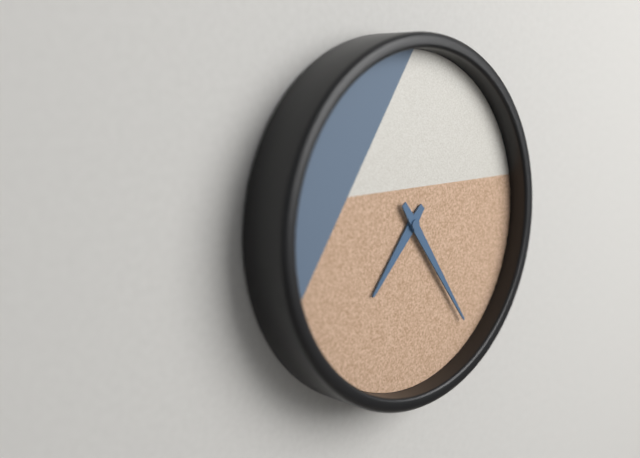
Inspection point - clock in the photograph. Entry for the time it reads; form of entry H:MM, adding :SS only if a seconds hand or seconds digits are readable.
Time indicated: 7:24
